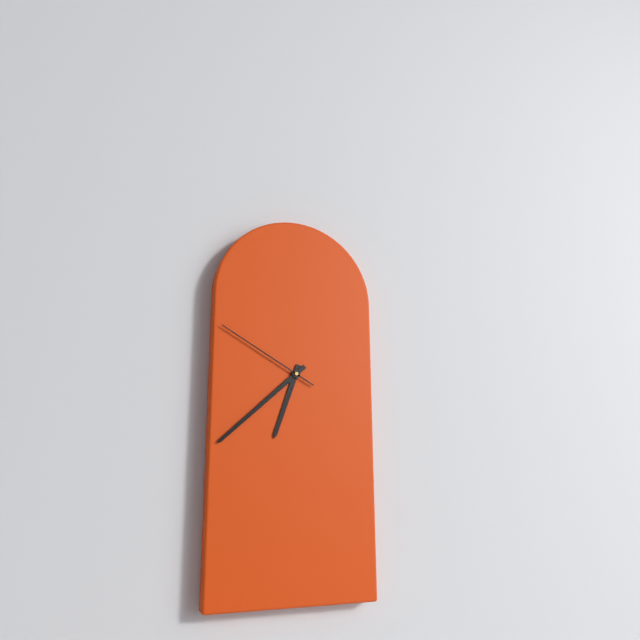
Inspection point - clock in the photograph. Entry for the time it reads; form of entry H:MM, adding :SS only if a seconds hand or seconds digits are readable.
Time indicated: 6:38:50
